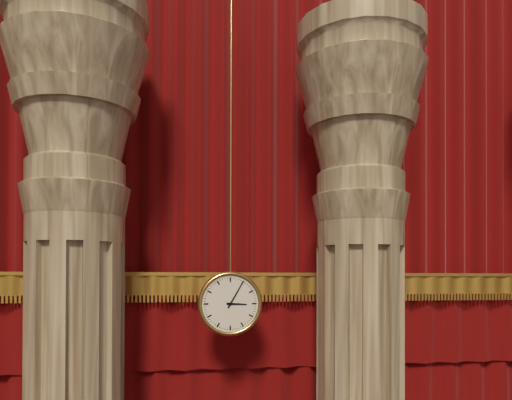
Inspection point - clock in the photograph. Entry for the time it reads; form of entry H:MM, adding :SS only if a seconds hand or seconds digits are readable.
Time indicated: 3:05
